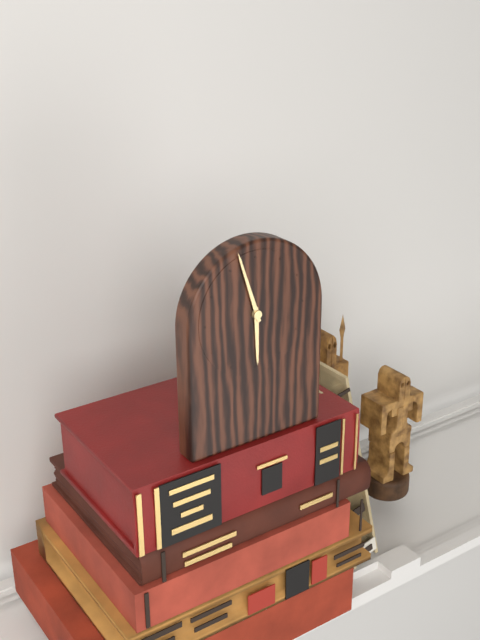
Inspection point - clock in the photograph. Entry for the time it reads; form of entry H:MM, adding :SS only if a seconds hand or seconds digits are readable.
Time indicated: 5:57
